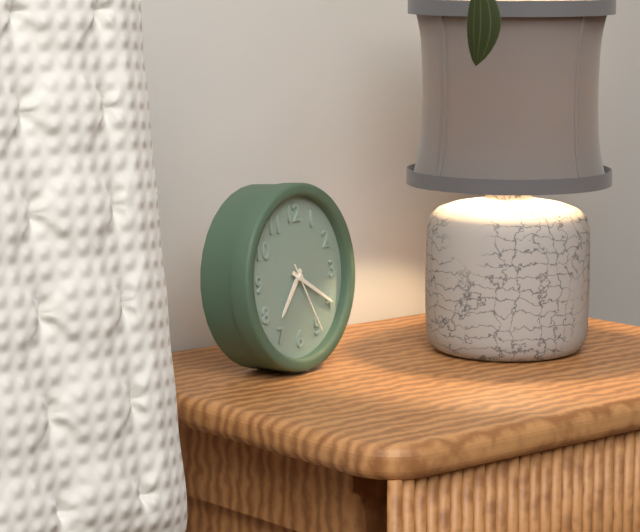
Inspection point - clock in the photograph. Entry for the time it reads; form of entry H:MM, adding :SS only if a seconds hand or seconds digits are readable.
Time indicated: 7:20:25
